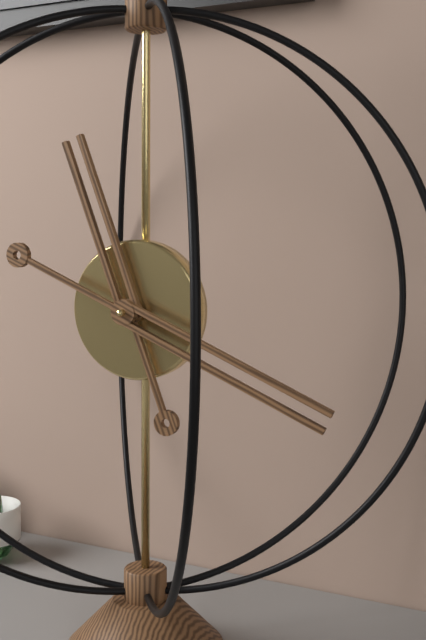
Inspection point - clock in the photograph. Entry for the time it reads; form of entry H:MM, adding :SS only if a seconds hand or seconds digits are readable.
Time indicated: 11:19
